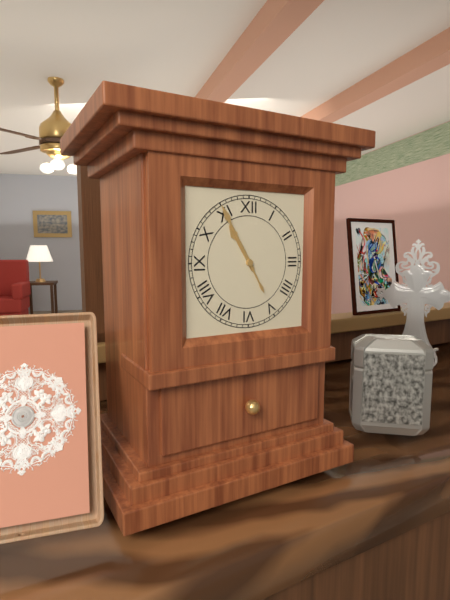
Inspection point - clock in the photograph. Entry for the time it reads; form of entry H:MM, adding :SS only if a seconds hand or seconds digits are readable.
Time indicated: 10:55
